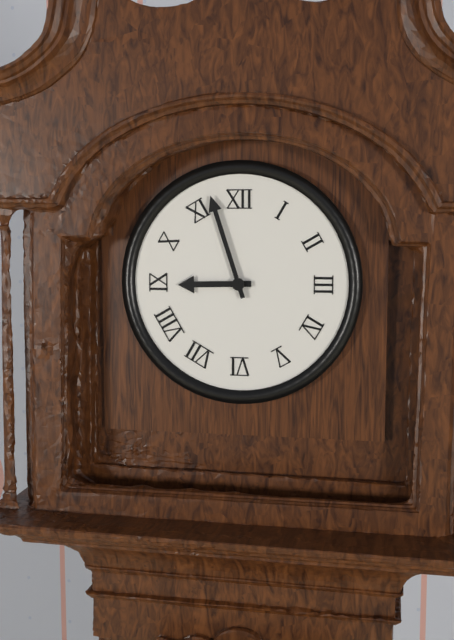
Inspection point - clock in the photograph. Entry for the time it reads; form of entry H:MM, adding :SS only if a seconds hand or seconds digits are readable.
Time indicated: 8:57
